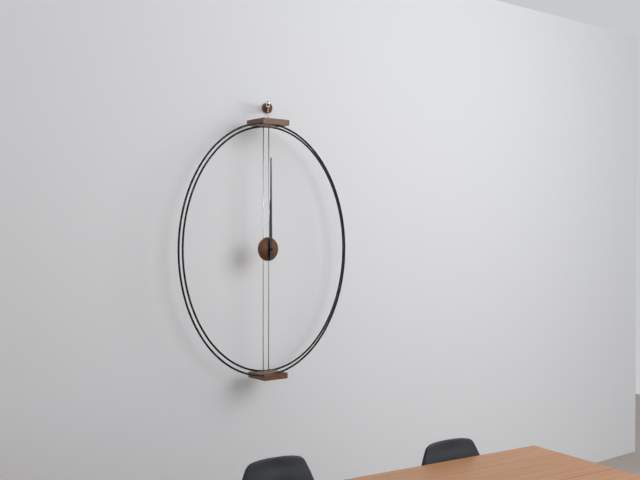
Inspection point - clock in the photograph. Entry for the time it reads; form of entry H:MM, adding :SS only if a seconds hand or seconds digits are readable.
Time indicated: 12:00
